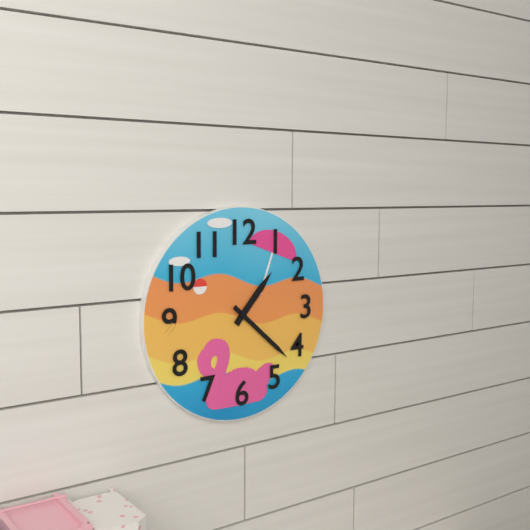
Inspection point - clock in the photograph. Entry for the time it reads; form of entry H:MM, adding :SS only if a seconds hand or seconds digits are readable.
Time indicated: 1:22
